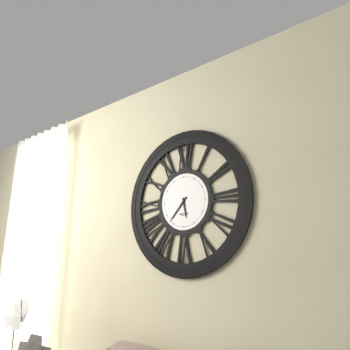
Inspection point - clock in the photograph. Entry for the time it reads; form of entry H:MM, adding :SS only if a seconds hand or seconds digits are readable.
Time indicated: 5:37
